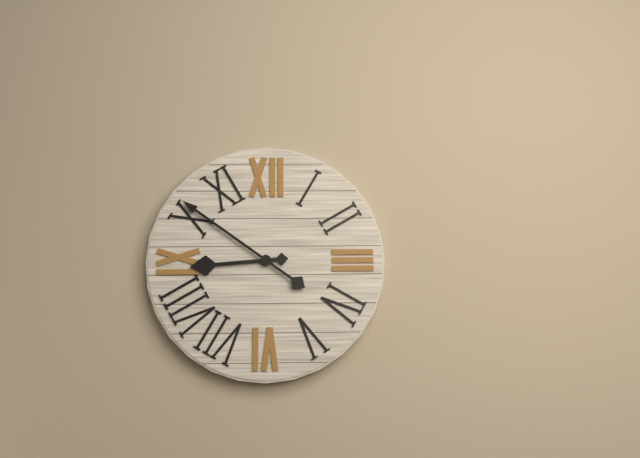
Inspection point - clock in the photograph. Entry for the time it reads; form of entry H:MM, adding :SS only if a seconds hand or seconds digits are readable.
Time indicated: 8:51
